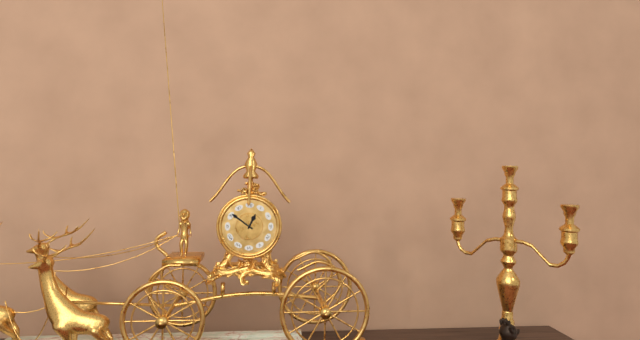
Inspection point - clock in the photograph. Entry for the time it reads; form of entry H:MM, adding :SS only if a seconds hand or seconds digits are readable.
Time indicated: 12:51
